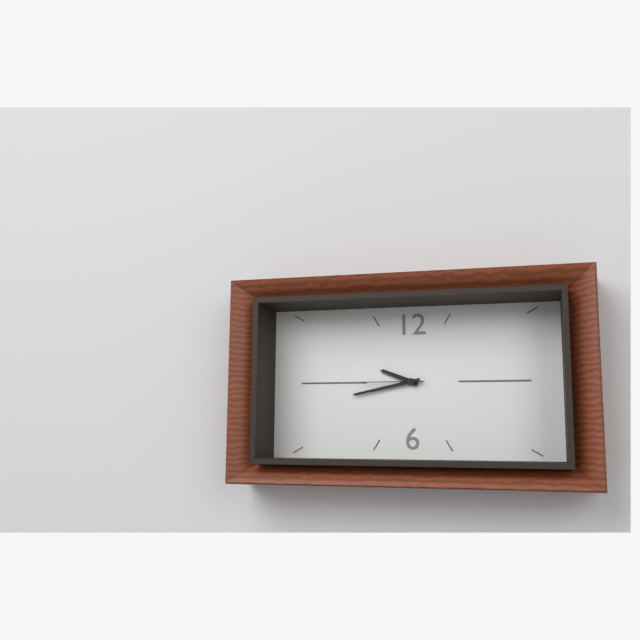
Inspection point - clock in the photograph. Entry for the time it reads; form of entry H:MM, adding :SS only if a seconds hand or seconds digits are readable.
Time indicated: 9:43:45
